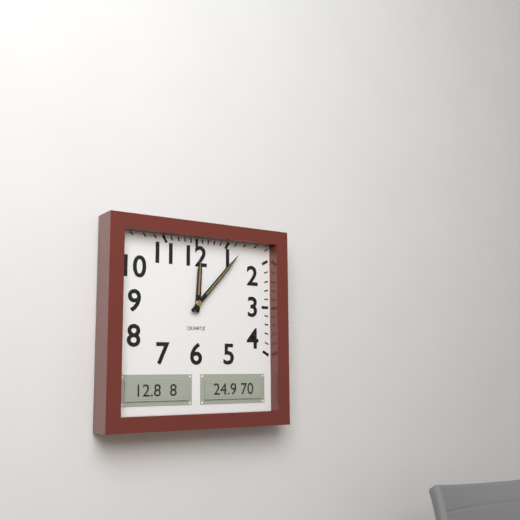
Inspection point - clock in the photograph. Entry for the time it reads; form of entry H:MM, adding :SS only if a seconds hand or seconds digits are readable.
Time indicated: 12:07
